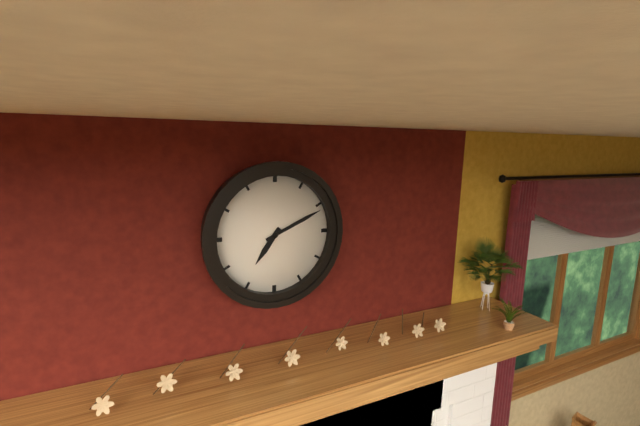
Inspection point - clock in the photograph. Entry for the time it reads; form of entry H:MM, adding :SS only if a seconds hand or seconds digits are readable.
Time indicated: 7:11
